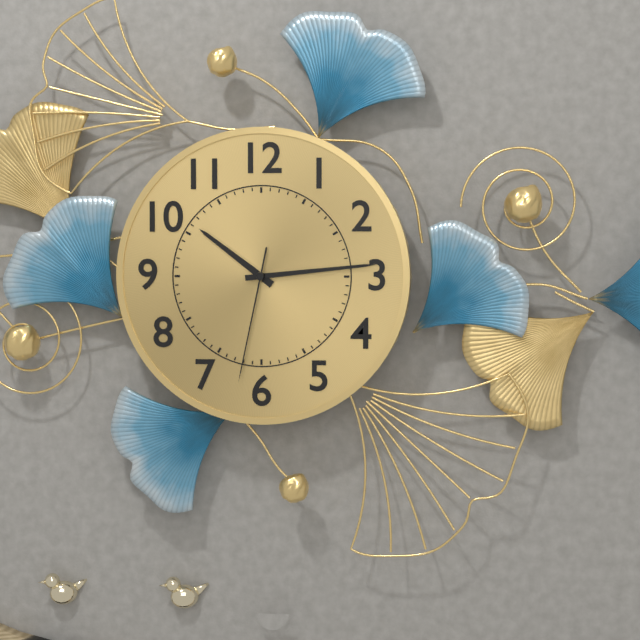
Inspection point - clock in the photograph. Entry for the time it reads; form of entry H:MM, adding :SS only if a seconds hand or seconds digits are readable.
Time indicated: 10:14:32
